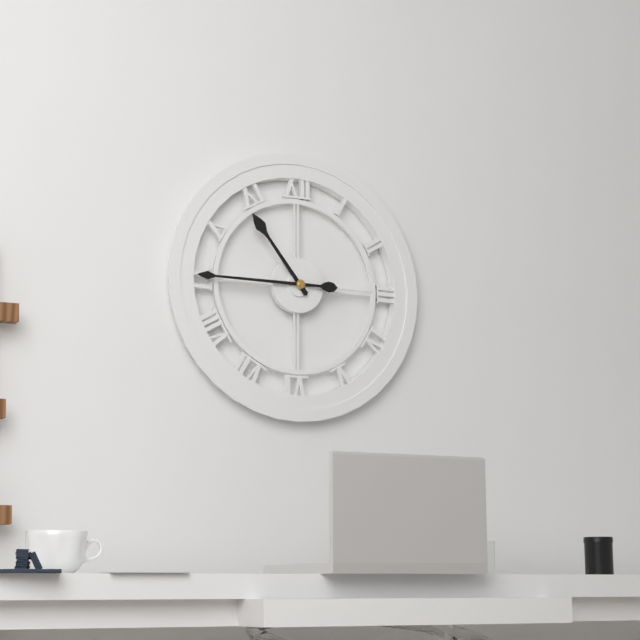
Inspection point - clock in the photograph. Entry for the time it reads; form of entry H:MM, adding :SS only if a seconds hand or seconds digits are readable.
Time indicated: 10:45
